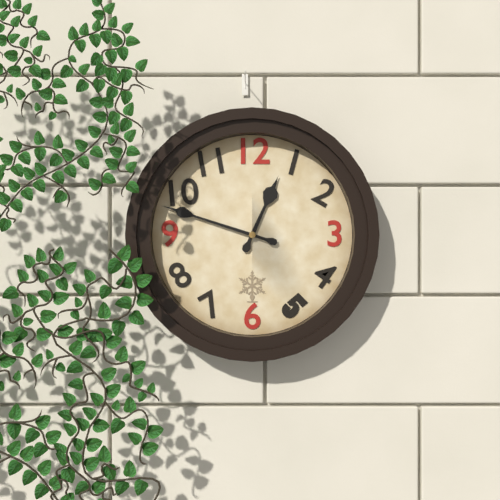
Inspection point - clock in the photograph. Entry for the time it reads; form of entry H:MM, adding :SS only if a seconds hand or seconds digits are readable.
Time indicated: 12:48
